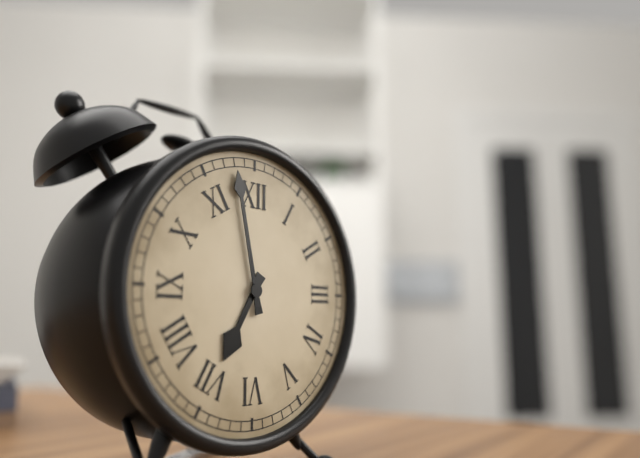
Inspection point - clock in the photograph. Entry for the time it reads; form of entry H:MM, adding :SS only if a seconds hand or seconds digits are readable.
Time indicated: 6:58
